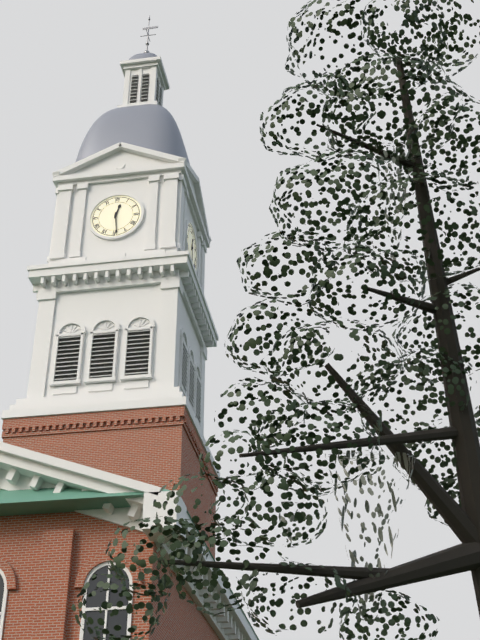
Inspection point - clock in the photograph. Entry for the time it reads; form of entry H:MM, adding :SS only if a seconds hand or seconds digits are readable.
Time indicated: 12:29
